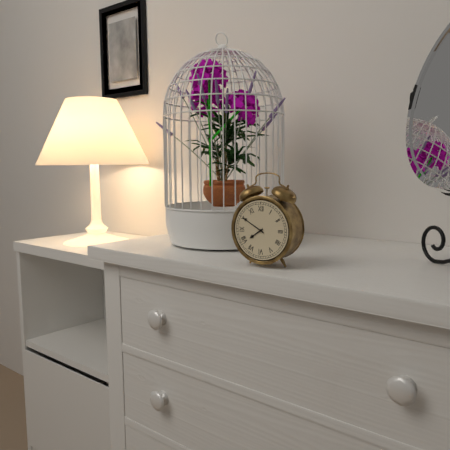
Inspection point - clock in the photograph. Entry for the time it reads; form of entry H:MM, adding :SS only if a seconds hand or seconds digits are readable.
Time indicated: 7:50
